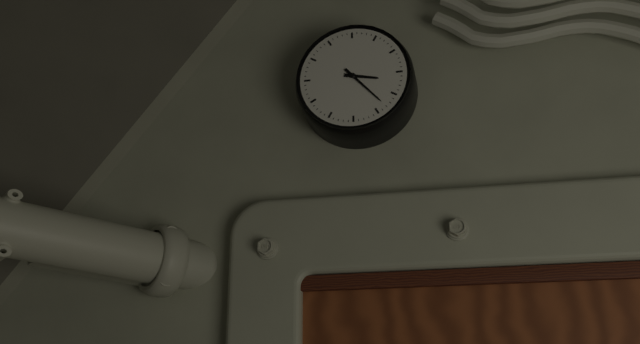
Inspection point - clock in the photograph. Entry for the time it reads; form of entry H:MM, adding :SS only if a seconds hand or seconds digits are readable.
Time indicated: 3:23
